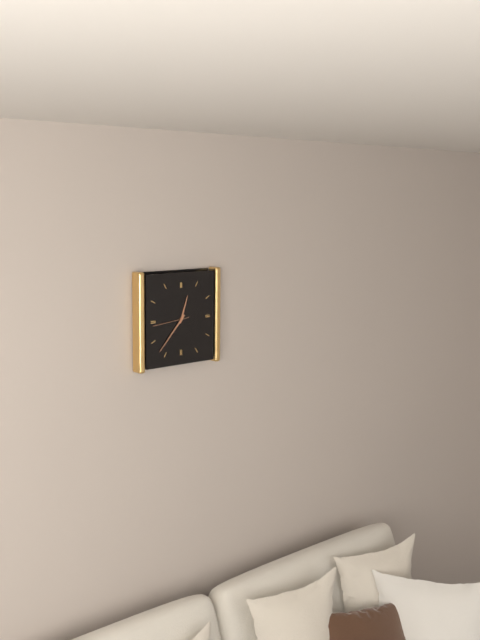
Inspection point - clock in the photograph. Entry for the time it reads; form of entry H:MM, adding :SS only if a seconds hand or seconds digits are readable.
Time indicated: 12:37
